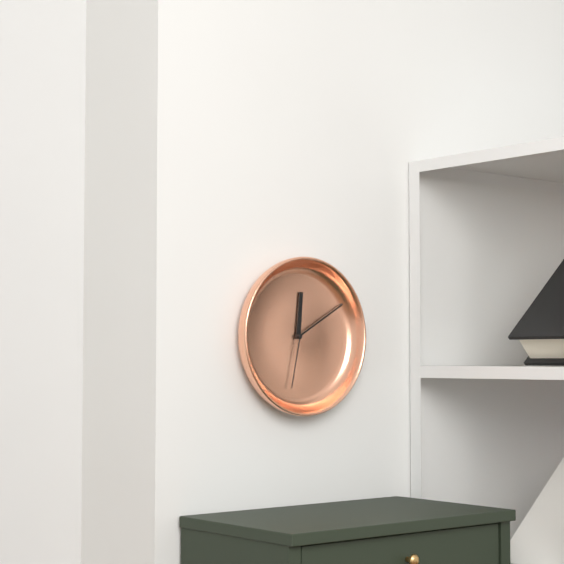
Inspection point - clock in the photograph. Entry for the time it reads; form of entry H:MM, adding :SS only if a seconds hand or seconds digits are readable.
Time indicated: 12:10:32
